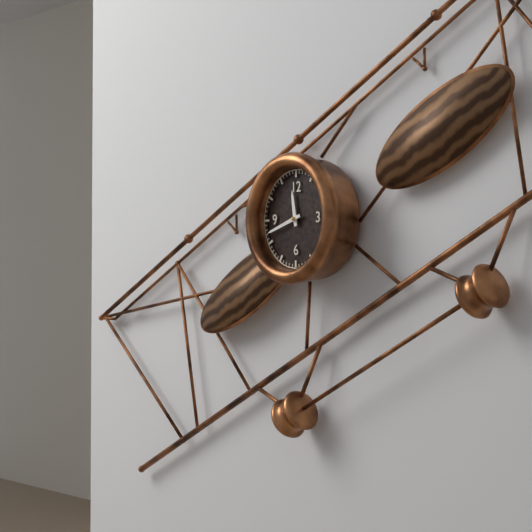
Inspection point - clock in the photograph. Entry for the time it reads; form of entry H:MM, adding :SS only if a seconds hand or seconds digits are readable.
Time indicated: 11:42
